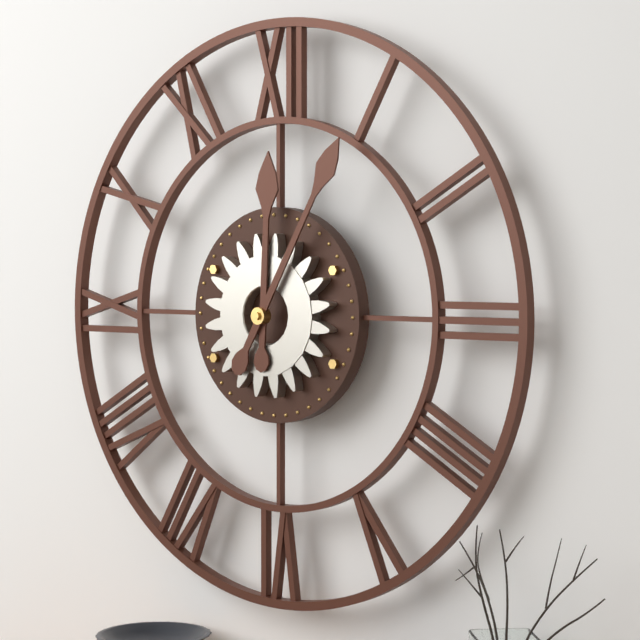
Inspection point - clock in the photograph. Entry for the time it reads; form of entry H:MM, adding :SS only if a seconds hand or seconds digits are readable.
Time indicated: 12:05
